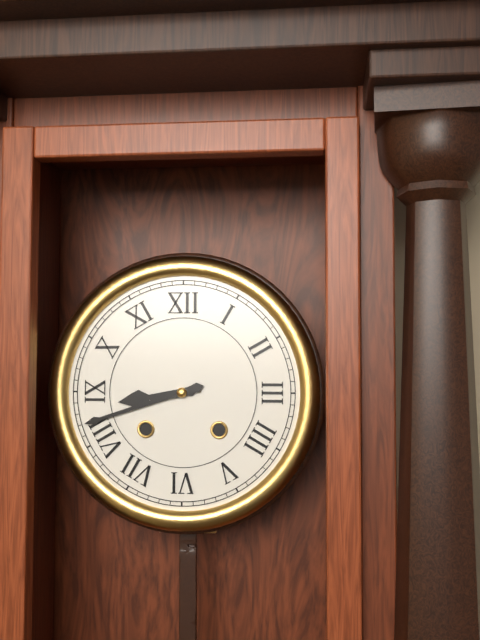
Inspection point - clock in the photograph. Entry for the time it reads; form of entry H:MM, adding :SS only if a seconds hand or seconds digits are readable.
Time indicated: 8:42
